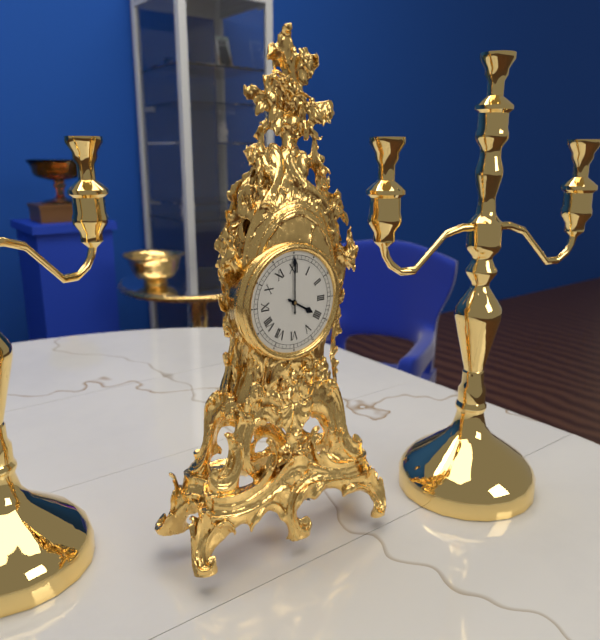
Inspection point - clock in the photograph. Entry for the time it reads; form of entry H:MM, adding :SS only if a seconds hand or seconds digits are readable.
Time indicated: 4:00
